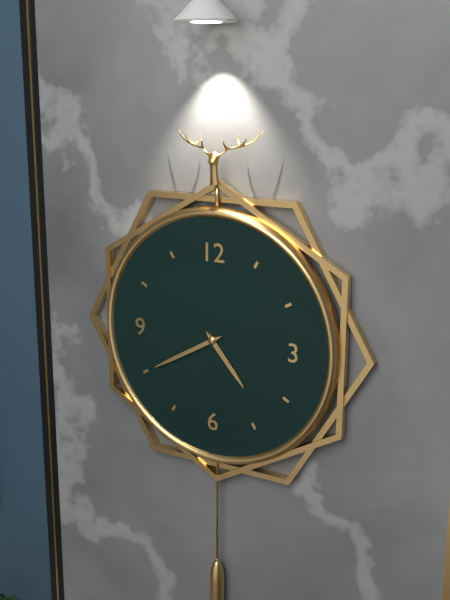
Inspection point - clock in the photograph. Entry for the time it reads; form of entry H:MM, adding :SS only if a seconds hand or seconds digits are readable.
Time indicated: 4:40
